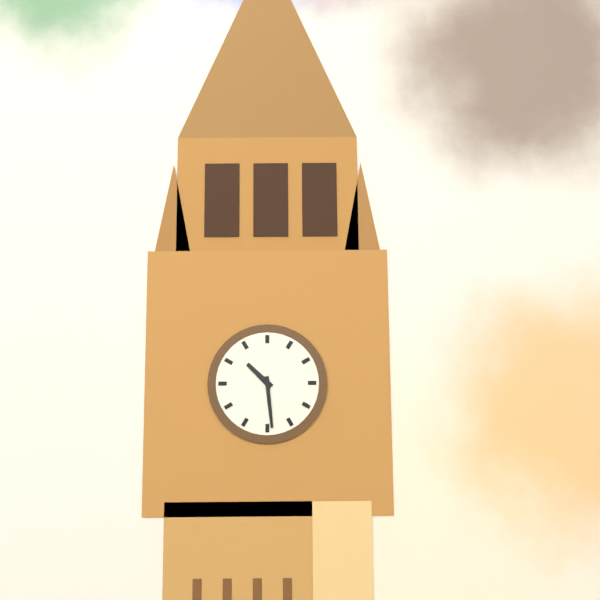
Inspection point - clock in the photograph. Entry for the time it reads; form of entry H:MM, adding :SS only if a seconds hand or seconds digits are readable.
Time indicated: 10:29
